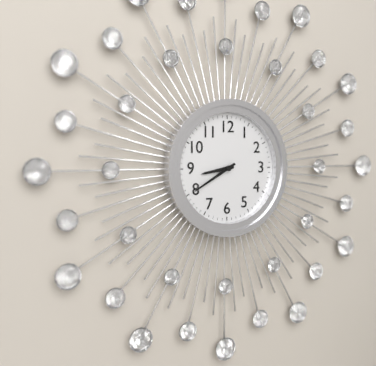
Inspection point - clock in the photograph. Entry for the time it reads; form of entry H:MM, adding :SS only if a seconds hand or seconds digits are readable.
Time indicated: 8:40
